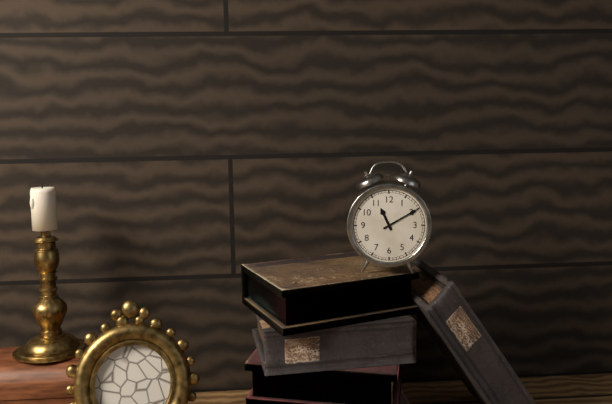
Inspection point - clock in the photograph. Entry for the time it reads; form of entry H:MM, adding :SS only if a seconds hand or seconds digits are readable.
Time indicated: 11:10
